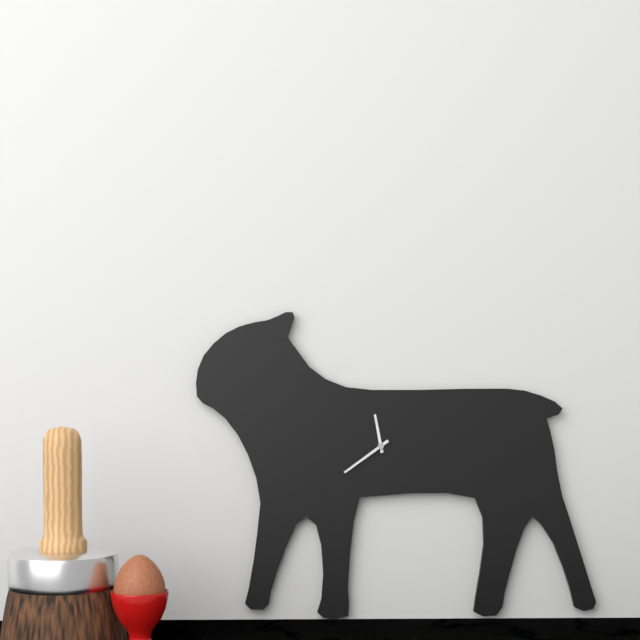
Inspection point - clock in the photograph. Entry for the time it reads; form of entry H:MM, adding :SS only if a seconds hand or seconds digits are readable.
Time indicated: 11:39
